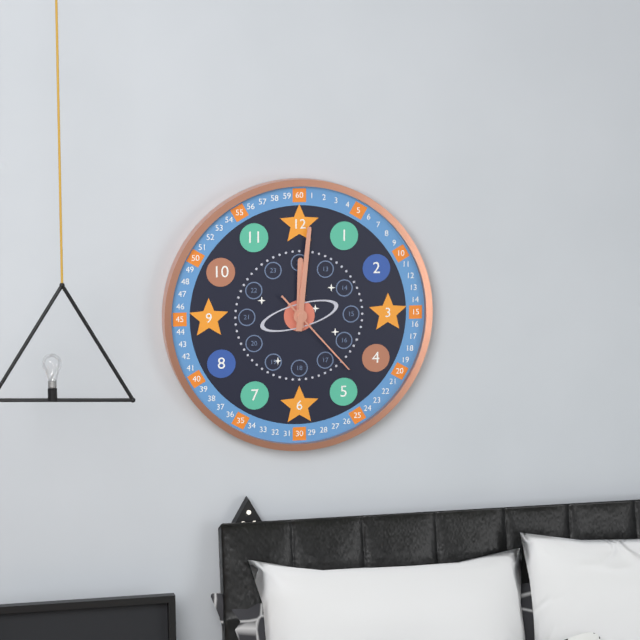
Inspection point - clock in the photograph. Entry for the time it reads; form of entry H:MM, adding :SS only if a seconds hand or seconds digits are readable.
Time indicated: 12:01:23
